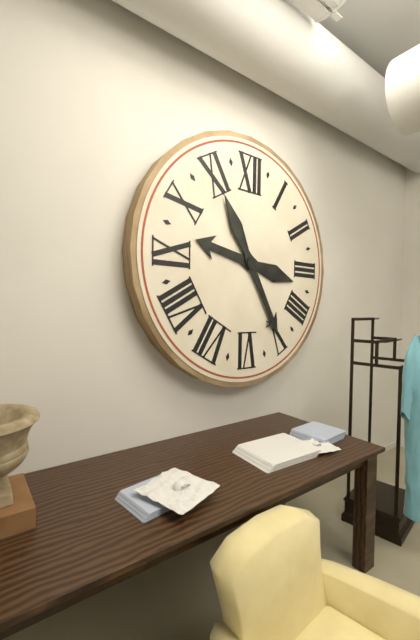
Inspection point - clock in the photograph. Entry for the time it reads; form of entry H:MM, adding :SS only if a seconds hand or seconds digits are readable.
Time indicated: 9:25
